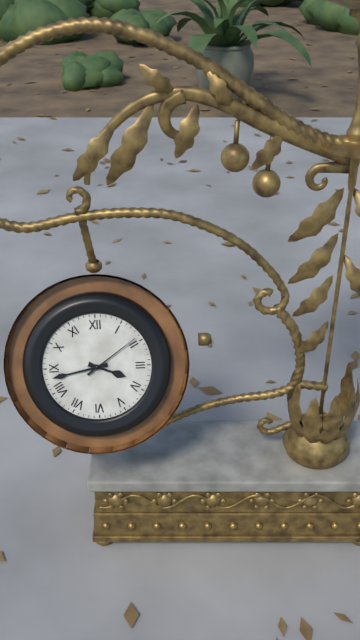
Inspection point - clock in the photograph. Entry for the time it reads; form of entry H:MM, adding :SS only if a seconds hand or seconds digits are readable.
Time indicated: 3:43:09
